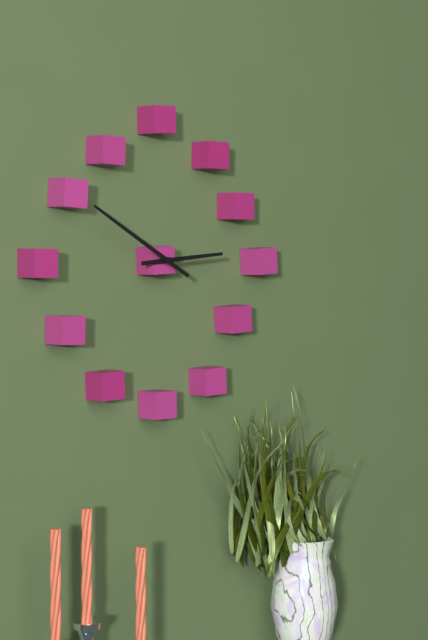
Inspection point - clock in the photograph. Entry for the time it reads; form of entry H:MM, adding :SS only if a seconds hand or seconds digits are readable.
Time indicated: 2:50
